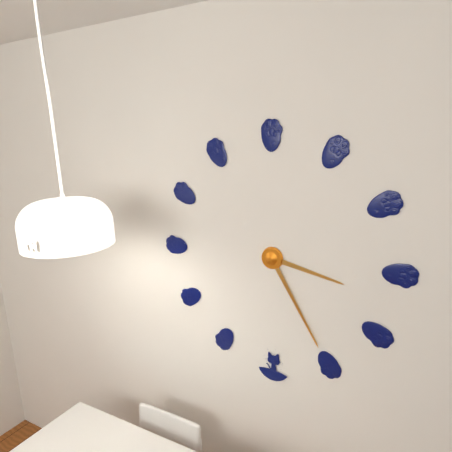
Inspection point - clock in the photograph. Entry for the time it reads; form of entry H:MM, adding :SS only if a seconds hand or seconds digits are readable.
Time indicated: 3:25
